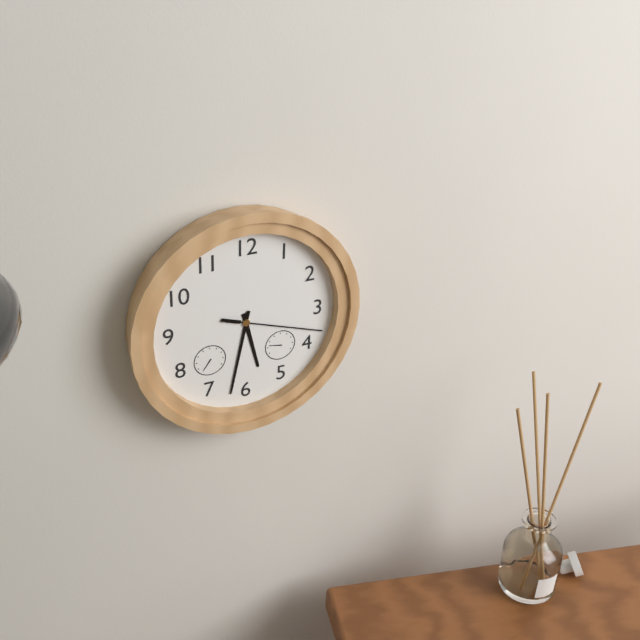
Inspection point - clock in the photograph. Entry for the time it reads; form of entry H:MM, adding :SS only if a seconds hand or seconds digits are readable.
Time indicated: 5:32:18
